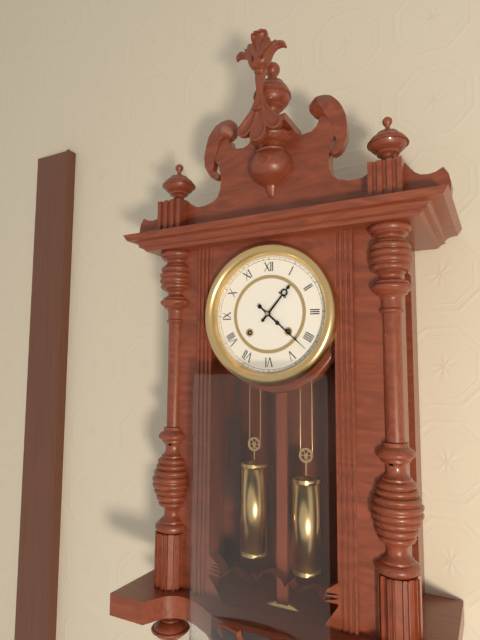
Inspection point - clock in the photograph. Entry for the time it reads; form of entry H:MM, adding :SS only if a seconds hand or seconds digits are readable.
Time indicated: 1:22
